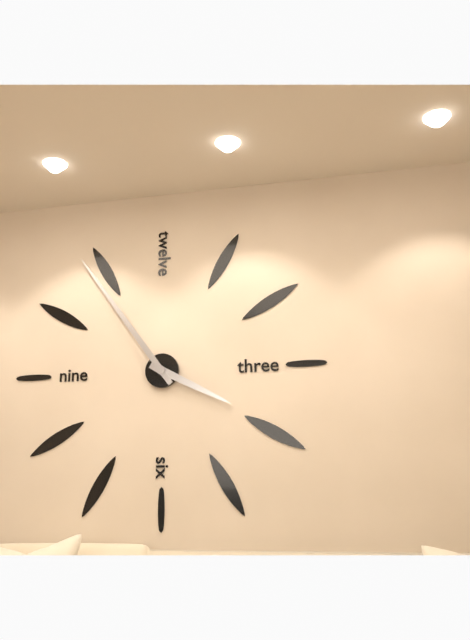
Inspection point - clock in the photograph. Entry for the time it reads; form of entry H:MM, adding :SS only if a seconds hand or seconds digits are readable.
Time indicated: 3:54
